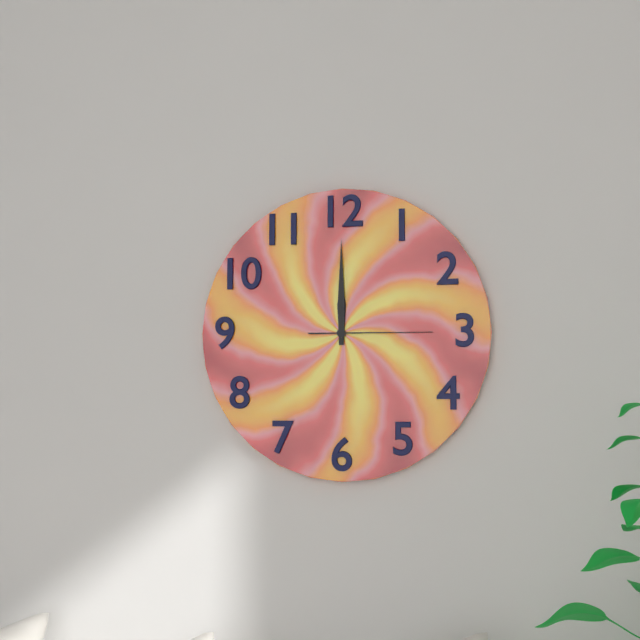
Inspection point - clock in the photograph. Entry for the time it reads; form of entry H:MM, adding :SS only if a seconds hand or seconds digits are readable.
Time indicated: 12:00:15
